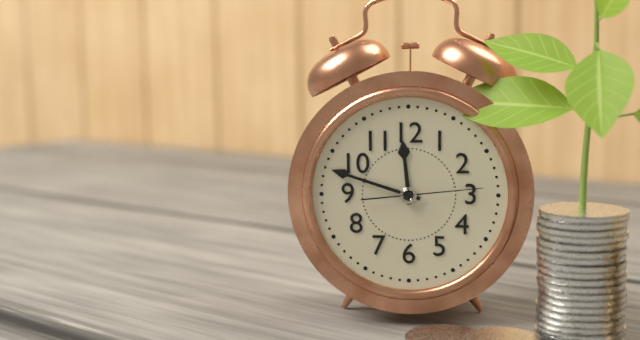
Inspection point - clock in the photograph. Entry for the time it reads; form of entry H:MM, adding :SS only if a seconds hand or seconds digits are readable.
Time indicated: 11:48:14
